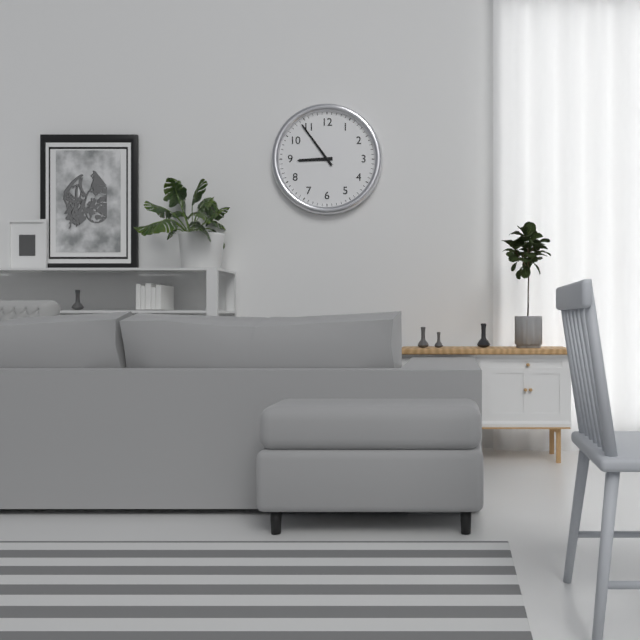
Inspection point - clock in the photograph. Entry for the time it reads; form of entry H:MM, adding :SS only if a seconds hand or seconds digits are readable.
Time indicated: 8:54
